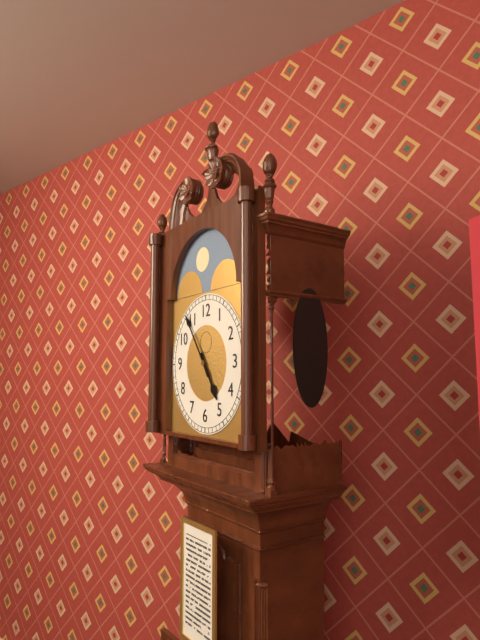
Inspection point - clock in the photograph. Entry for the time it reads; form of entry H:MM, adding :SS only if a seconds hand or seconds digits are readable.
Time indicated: 4:54
